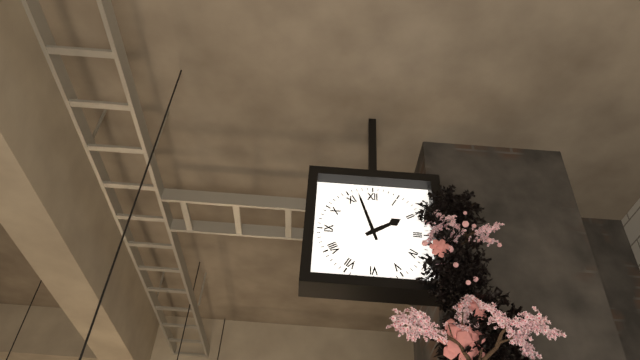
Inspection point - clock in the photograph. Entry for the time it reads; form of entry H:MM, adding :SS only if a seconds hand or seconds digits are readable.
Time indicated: 1:57
